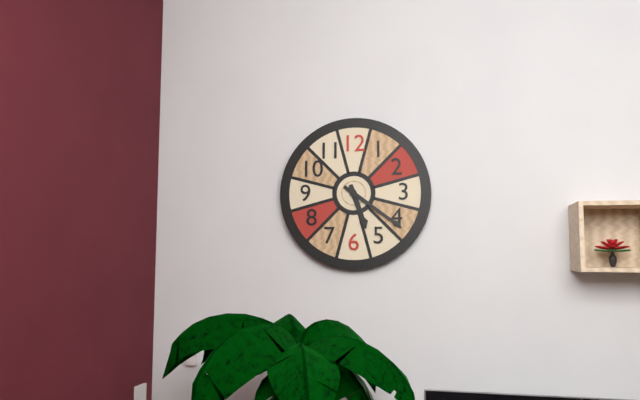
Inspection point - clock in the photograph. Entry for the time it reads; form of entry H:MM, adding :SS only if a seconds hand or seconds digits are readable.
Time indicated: 5:21
